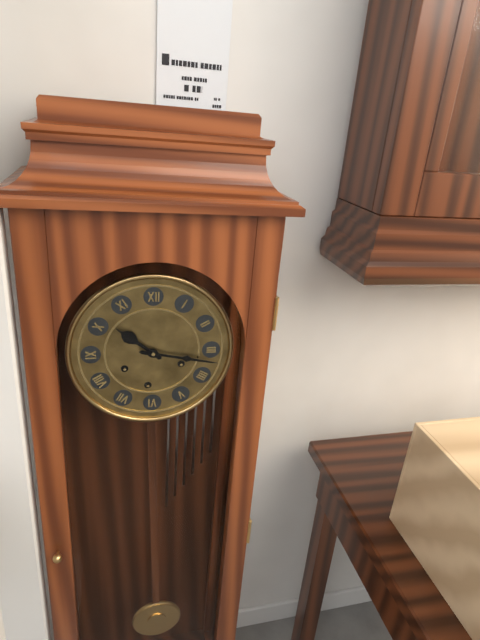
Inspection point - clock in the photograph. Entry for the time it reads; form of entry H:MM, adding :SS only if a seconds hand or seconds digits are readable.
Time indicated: 10:17
